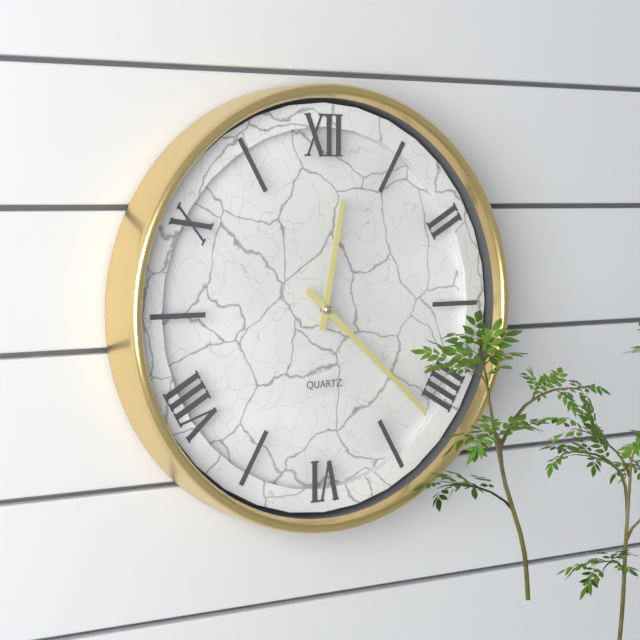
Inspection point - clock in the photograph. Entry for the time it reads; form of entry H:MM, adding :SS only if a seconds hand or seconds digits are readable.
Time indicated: 12:22
